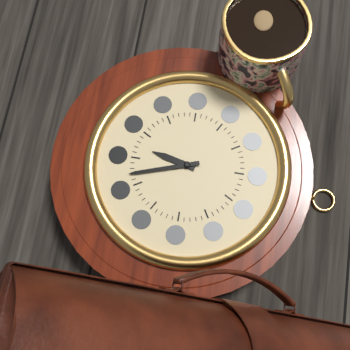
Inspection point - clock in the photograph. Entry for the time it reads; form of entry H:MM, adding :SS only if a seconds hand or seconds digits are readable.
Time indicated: 6:27
